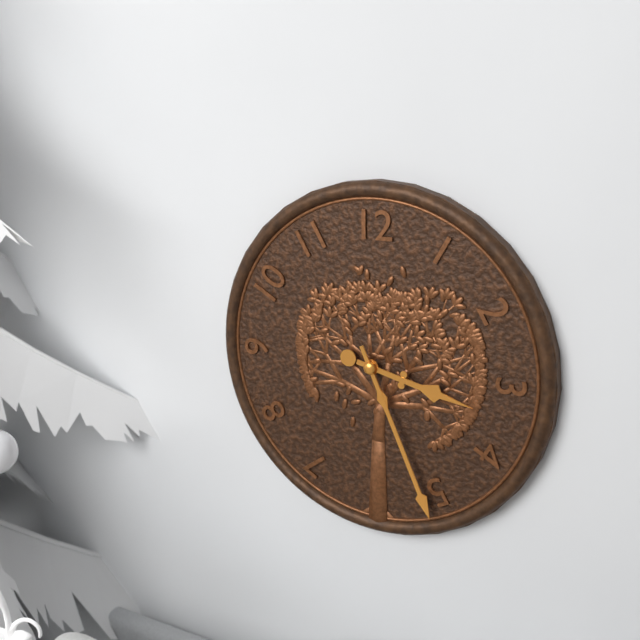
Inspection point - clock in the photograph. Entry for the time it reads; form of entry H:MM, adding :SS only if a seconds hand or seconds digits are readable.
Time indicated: 3:26
